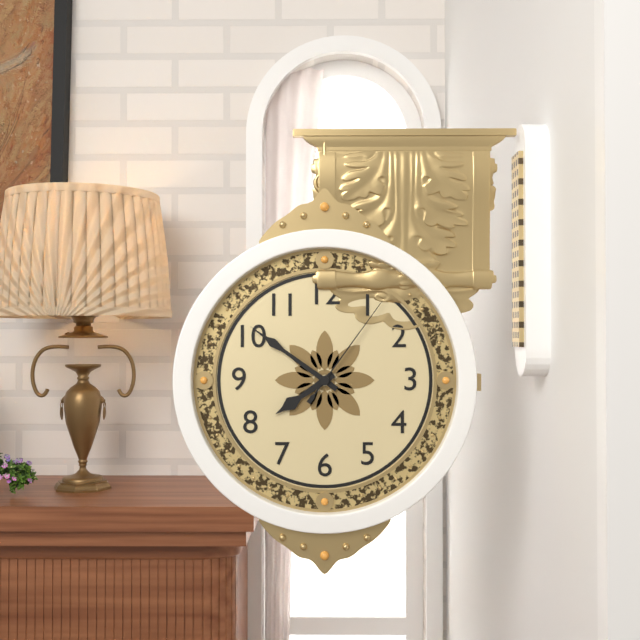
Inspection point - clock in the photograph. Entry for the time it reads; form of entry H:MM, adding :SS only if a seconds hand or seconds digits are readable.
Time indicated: 7:51:06
